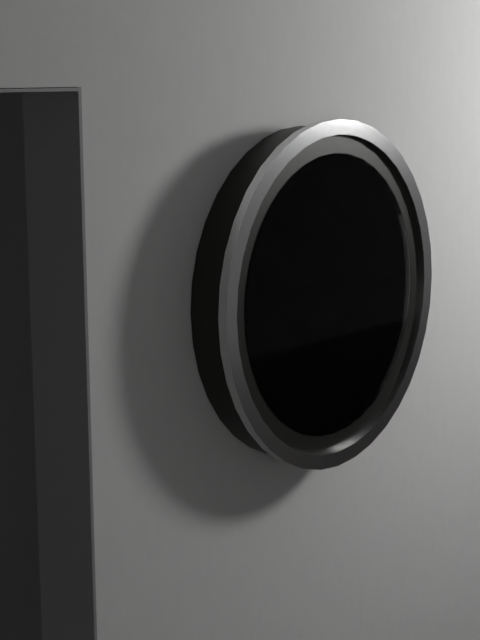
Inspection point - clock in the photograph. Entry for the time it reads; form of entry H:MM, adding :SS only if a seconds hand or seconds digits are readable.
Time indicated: 8:09
